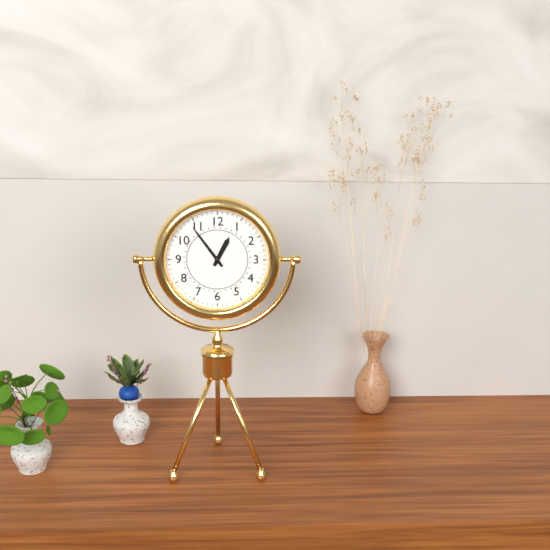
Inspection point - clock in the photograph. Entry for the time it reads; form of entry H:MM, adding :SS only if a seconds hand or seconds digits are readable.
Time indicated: 12:54
